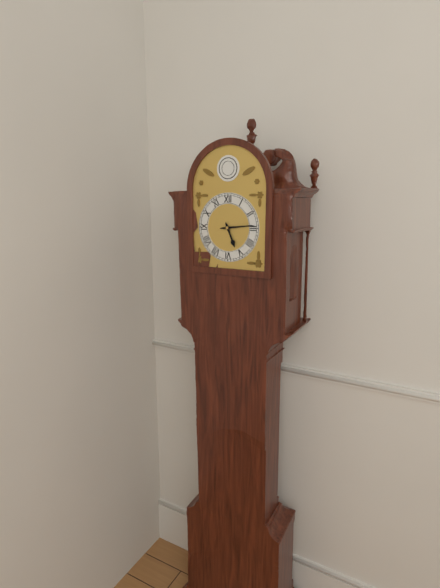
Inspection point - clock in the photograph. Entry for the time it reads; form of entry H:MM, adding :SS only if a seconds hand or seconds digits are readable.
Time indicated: 5:14
